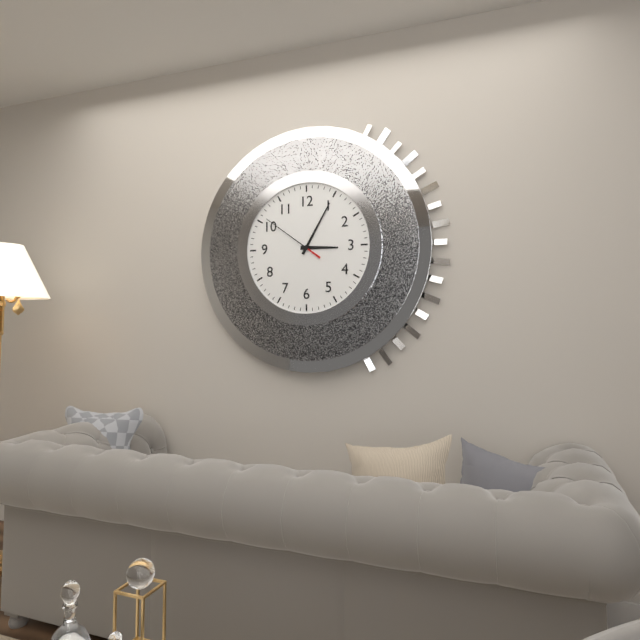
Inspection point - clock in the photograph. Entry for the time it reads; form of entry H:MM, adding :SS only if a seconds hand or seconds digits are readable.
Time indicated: 3:05:51
